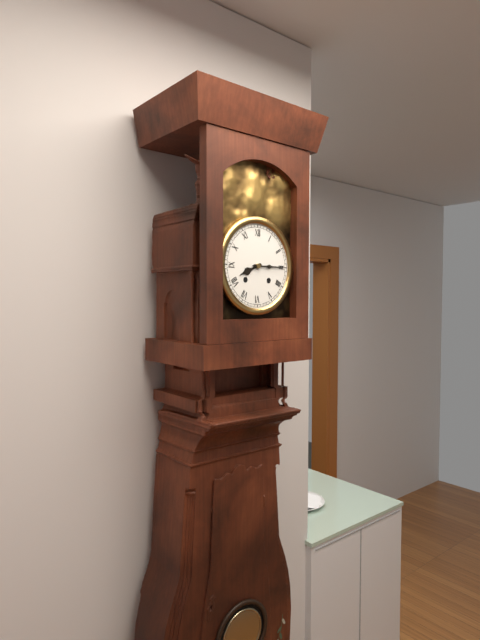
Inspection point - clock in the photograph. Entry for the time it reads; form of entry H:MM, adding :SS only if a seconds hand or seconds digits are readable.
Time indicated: 8:15
